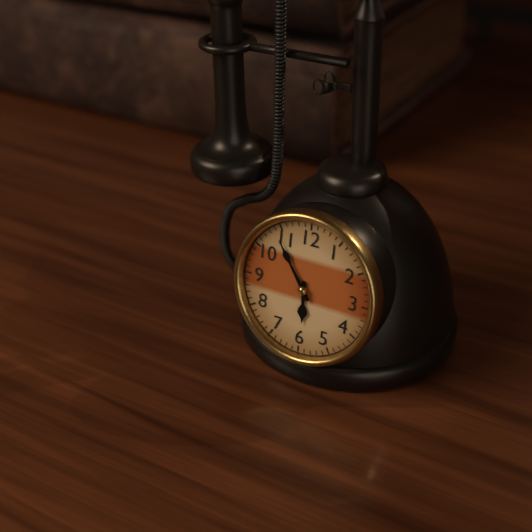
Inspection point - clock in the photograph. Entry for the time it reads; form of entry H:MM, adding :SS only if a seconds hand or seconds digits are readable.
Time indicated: 5:54
